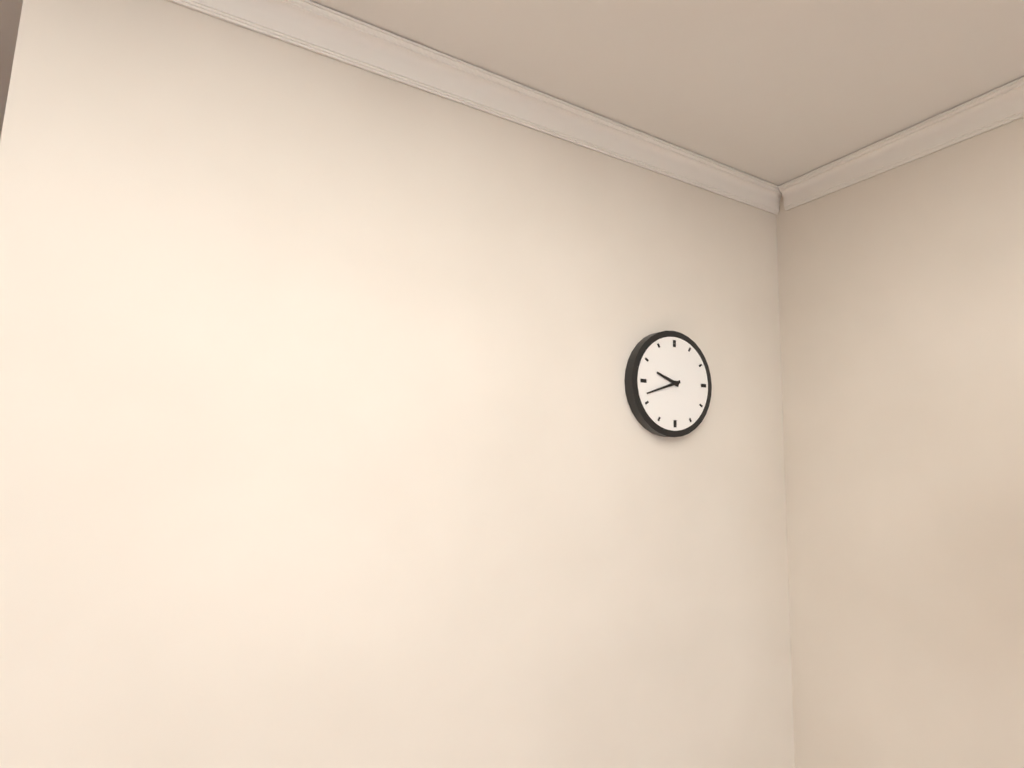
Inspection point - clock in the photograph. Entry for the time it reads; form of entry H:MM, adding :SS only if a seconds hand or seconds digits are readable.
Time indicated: 9:42
